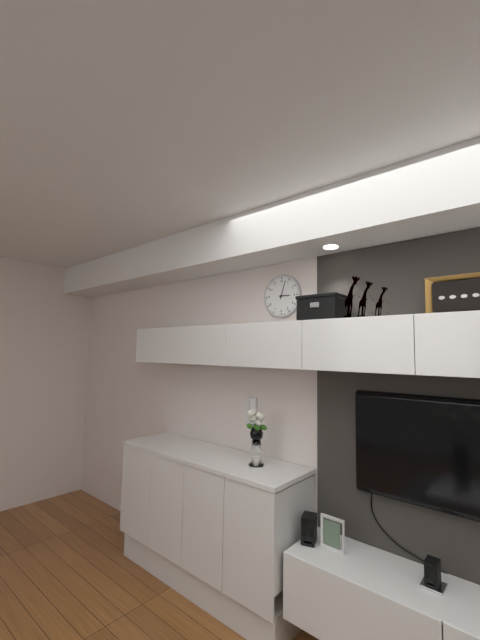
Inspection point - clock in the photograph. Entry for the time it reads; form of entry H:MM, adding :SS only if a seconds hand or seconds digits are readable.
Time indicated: 3:03
